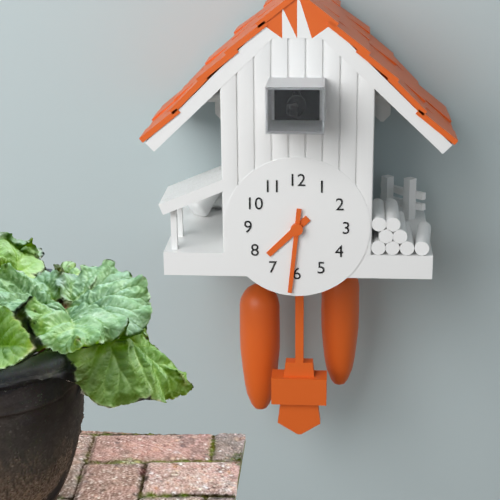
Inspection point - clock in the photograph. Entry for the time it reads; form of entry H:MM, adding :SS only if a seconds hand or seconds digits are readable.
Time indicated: 7:31
